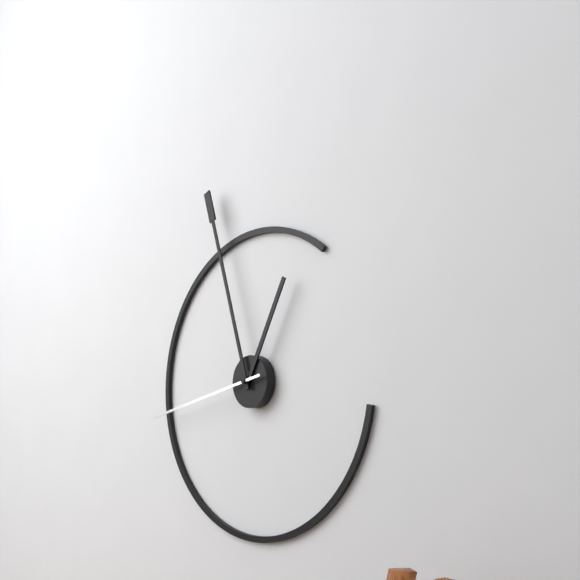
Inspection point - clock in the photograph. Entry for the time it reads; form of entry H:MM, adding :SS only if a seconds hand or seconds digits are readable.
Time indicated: 12:57:43
